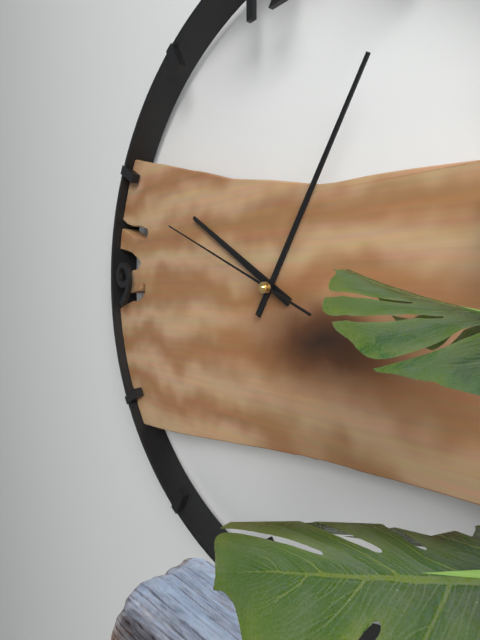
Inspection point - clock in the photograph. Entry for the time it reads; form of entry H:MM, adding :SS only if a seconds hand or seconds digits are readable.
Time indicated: 10:05:49
